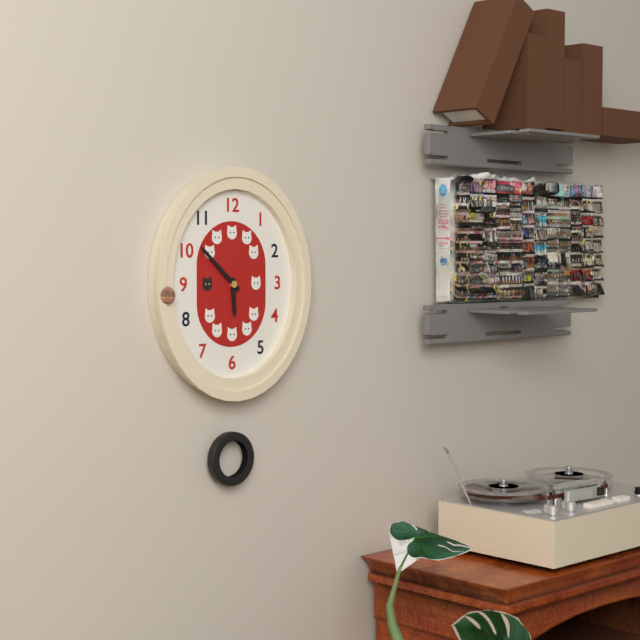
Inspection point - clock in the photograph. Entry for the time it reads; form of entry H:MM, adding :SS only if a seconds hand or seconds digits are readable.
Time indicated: 5:52
